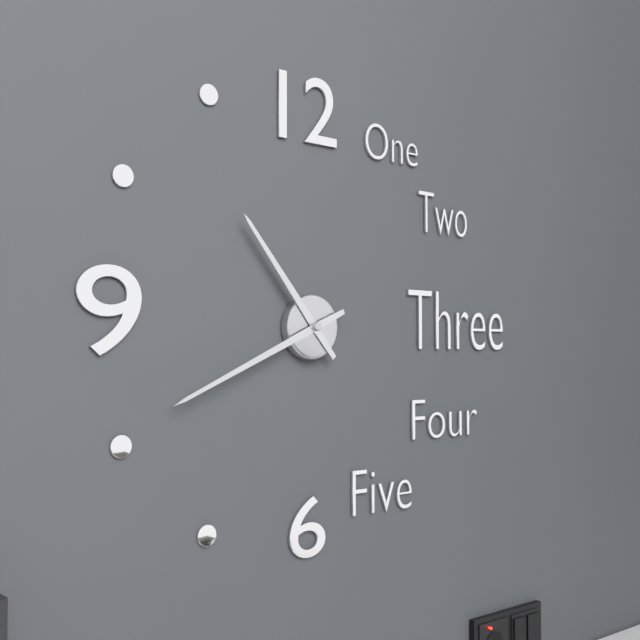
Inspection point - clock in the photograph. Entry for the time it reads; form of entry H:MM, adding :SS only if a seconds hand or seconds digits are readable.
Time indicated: 10:41
